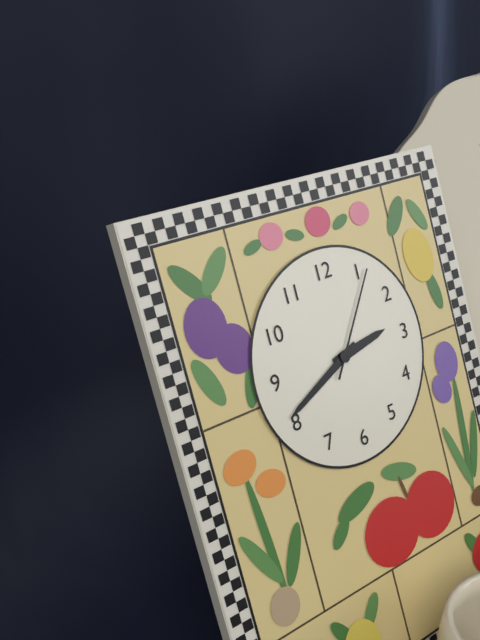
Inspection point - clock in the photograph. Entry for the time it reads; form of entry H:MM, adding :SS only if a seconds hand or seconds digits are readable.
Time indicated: 2:41:06
